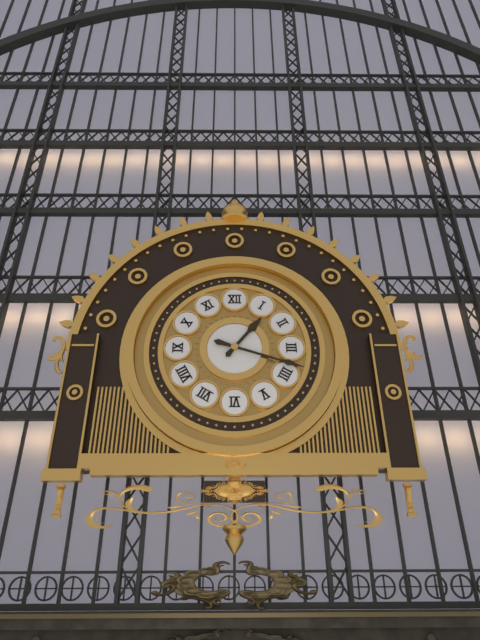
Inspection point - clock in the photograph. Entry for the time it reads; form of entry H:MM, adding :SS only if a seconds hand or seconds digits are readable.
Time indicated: 1:18
